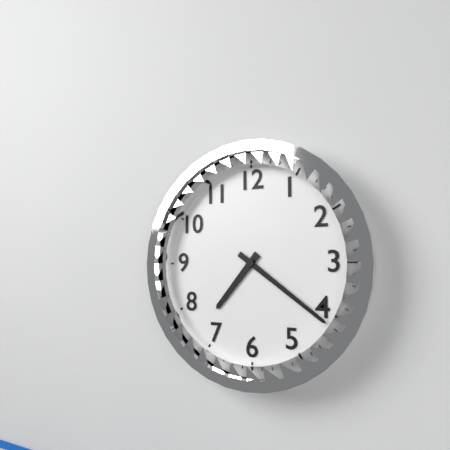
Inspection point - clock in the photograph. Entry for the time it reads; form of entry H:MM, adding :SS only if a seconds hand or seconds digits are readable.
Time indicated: 7:21
